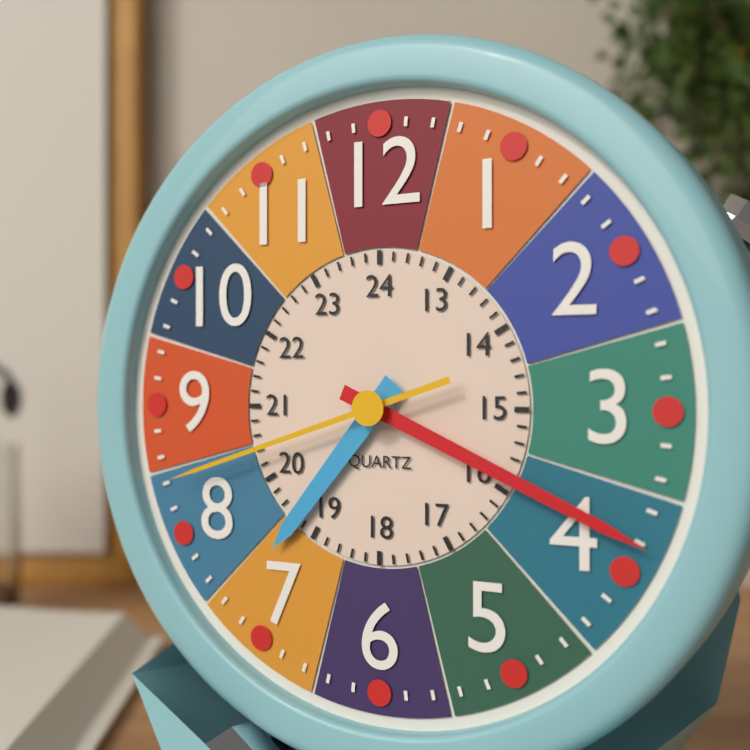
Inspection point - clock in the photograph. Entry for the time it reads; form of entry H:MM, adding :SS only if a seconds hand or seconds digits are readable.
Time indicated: 7:19:42
